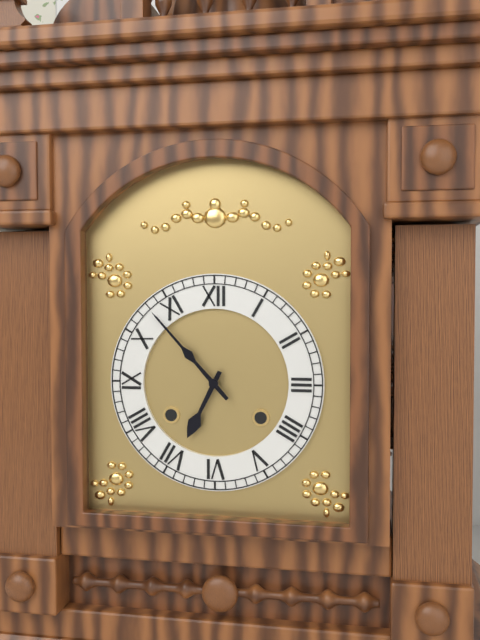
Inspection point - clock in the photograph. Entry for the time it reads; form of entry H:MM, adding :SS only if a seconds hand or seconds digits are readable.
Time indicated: 6:53
